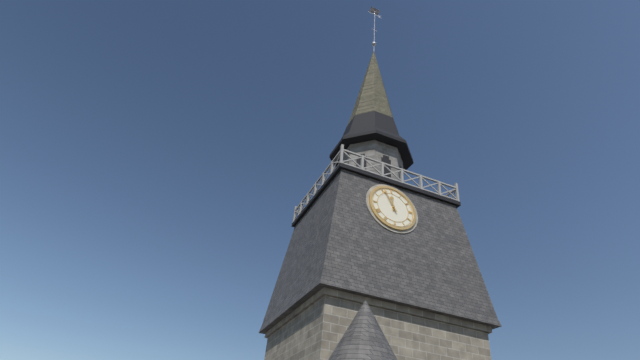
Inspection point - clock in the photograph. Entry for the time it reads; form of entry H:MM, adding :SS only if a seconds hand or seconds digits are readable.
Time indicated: 11:56
